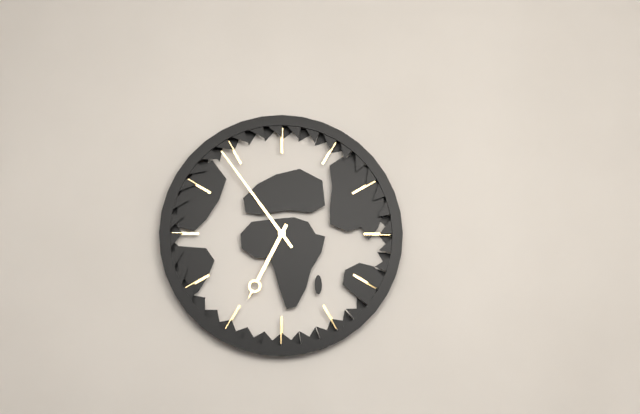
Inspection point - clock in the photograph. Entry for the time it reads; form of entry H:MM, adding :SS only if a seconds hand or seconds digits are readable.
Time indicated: 6:54
